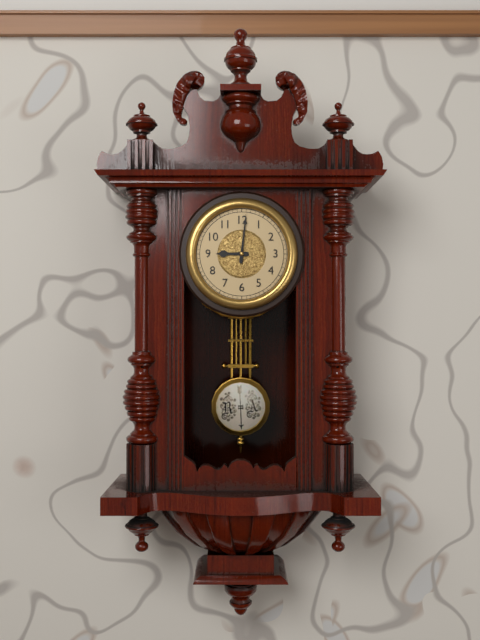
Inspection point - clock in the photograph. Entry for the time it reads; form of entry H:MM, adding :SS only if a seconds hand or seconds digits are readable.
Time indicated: 9:01
